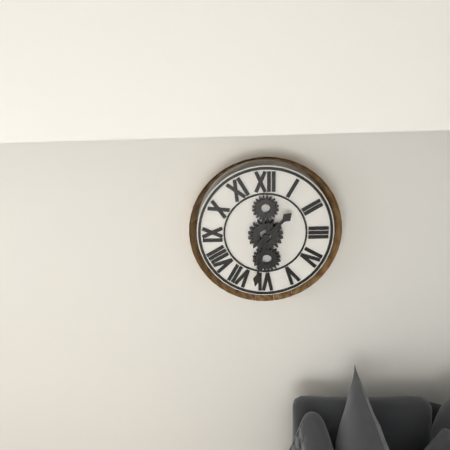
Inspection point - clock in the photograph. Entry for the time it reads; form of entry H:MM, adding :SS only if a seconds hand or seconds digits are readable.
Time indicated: 1:32
